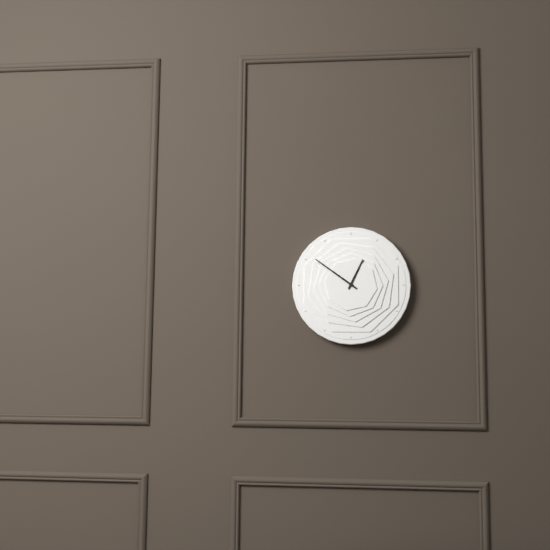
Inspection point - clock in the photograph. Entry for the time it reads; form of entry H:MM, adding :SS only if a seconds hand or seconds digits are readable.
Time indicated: 12:51
